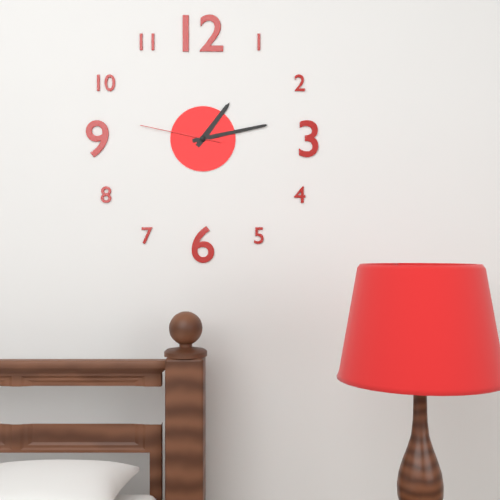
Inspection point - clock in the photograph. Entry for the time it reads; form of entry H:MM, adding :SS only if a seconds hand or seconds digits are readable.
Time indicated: 1:13:47
